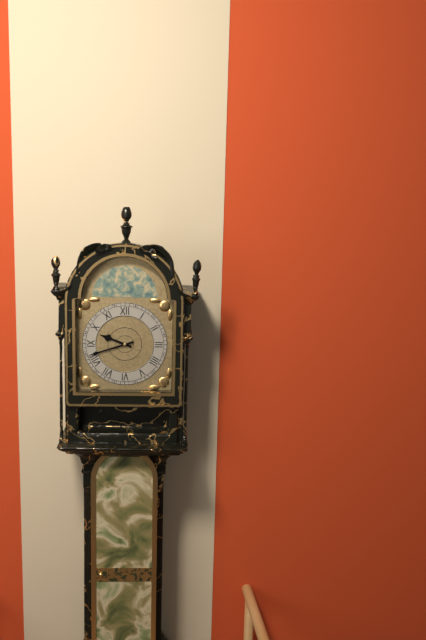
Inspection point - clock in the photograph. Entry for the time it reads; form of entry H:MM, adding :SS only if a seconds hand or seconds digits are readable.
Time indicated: 9:42
